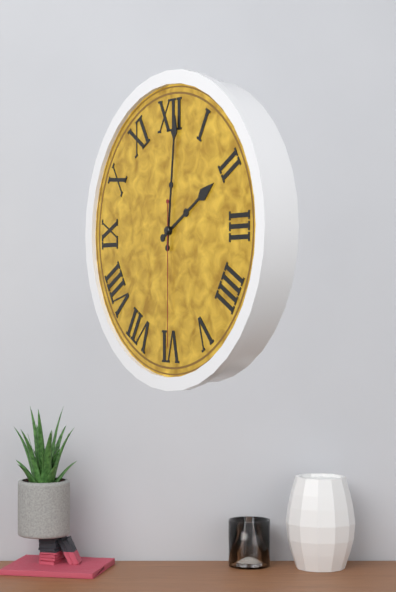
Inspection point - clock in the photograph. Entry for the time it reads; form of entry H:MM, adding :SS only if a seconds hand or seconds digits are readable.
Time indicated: 2:01:30
